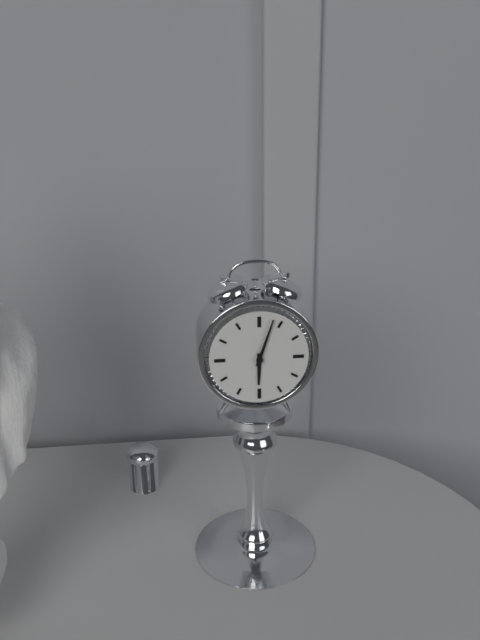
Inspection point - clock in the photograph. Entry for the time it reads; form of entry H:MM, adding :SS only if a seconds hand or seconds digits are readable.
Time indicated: 6:03
